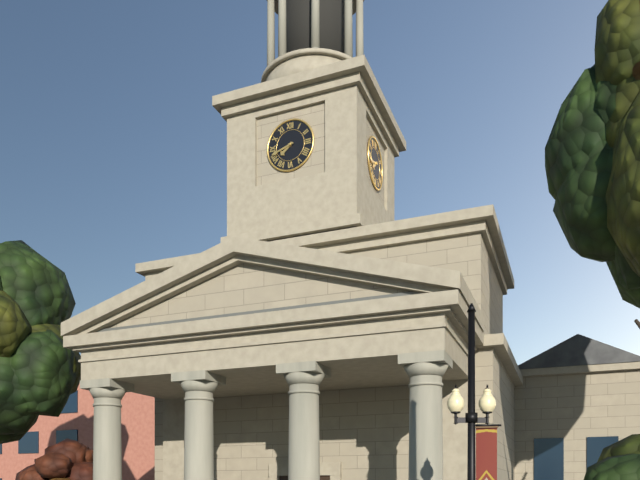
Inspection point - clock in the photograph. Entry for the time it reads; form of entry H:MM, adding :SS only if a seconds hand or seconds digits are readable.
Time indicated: 7:42
